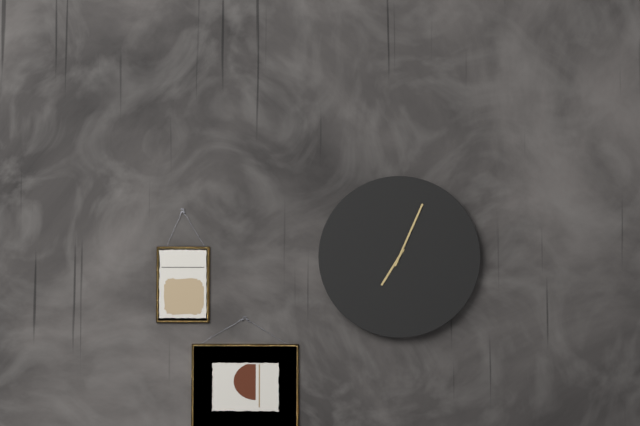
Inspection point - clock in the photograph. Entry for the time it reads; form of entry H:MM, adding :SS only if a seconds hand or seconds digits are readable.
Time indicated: 7:04
